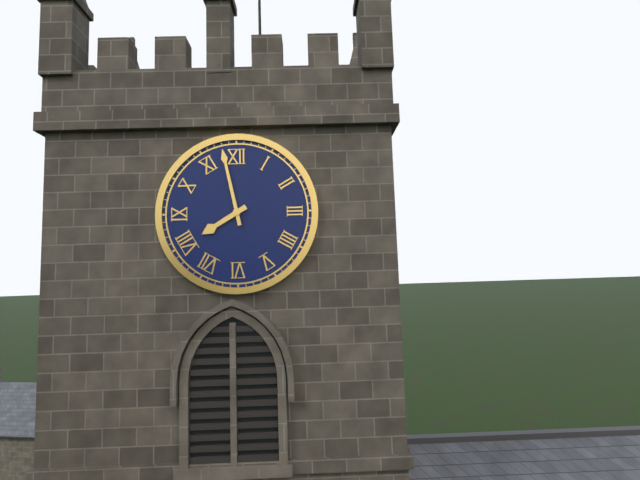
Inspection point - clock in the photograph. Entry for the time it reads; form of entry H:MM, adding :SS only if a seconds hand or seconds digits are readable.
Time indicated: 7:58
